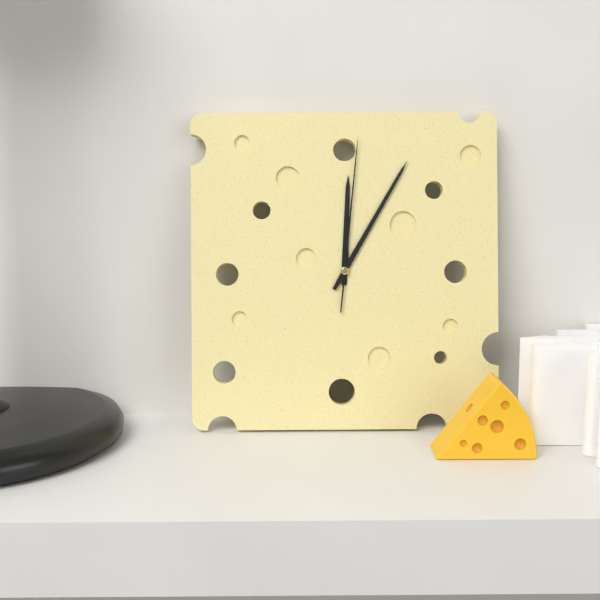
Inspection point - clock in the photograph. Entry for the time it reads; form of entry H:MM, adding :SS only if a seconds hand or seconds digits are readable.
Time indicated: 12:05:01
